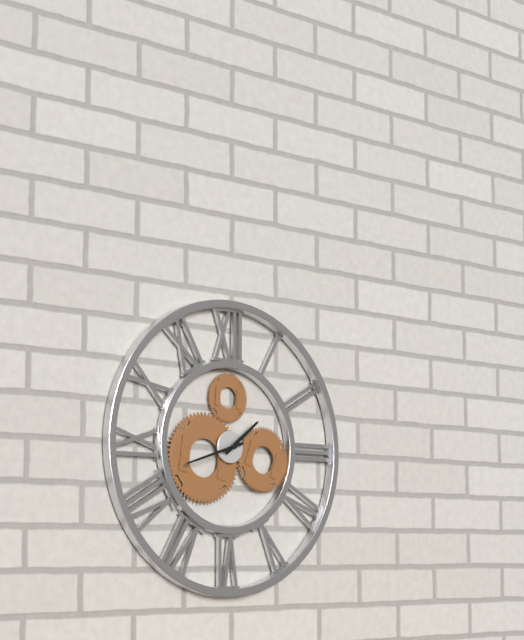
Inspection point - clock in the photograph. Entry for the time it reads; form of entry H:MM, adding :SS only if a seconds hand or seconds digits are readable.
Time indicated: 1:42
